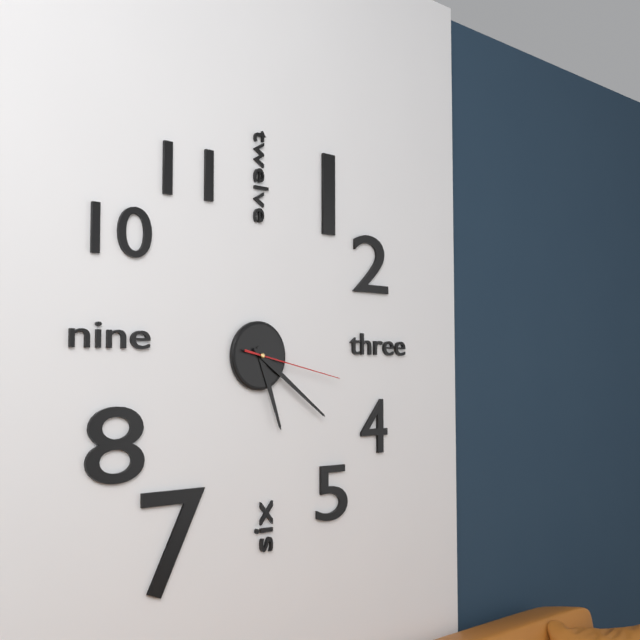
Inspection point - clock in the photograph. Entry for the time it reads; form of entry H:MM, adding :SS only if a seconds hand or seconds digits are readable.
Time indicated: 5:21:17
